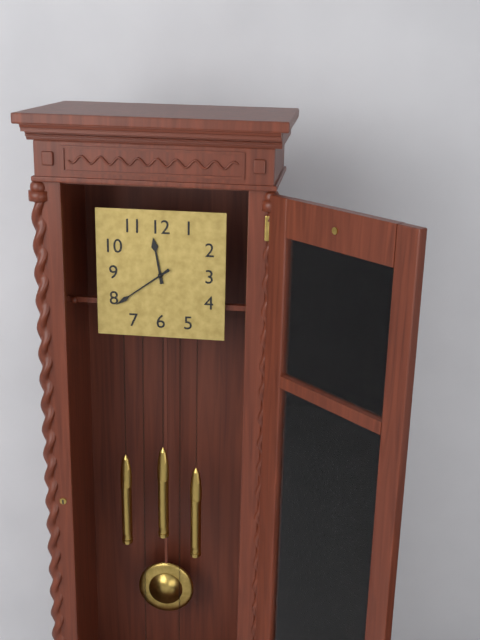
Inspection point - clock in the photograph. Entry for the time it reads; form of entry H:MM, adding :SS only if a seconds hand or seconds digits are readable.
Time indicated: 11:39
